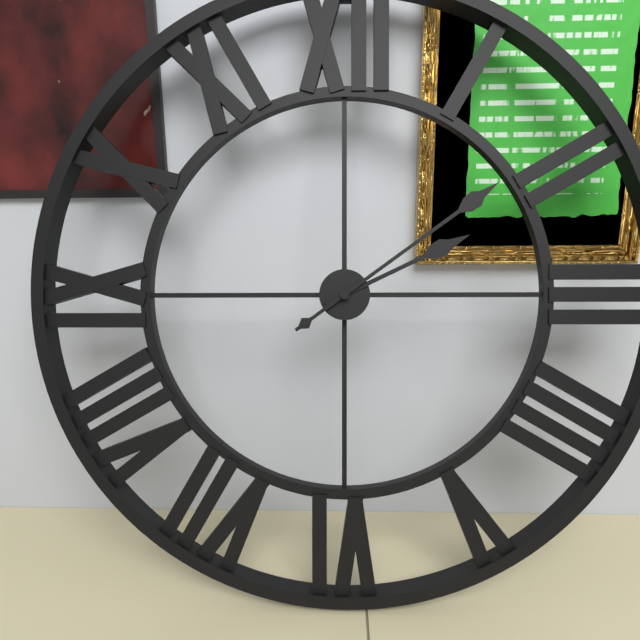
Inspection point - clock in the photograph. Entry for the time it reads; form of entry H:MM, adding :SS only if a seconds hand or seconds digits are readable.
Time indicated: 2:09
